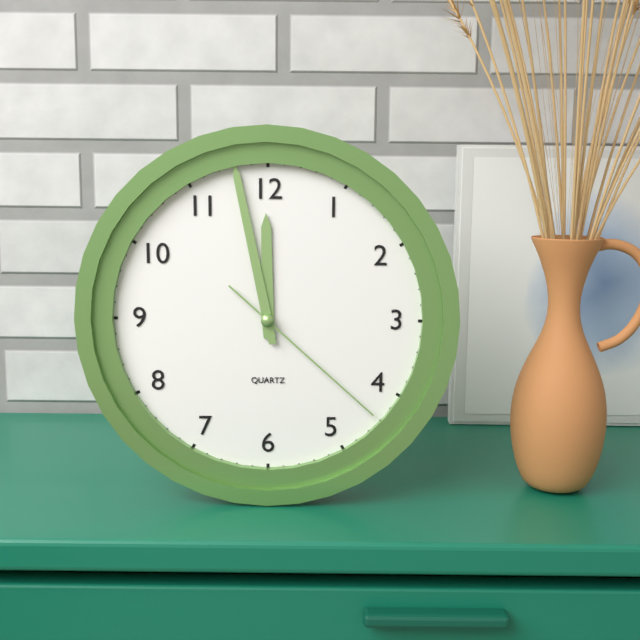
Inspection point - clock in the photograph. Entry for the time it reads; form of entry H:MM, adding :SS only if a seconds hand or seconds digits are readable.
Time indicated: 11:58:22
